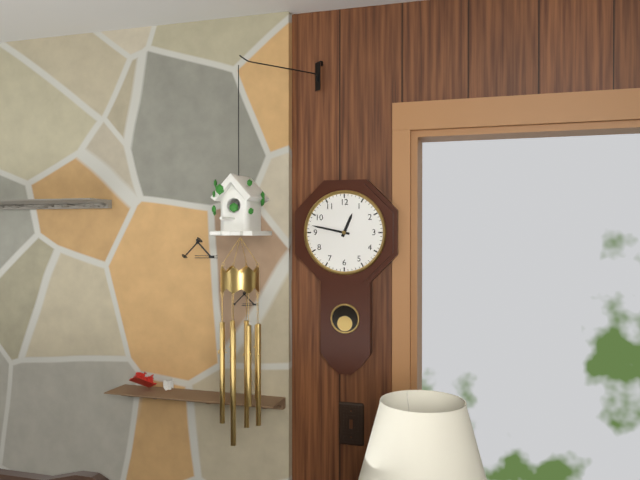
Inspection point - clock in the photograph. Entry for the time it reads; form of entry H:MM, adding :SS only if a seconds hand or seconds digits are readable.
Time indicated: 12:47
